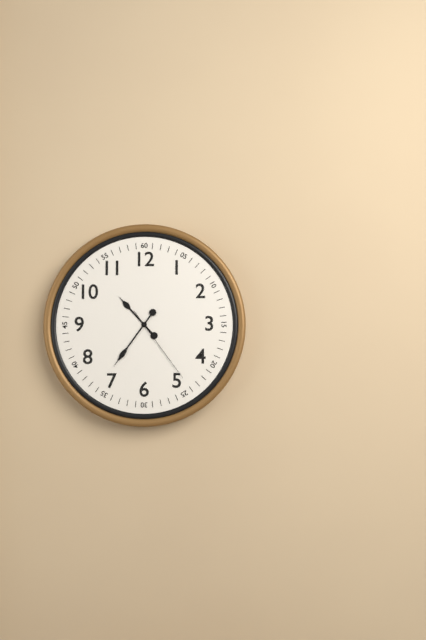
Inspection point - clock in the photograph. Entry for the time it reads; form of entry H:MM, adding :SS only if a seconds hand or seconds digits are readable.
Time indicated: 10:36:24
